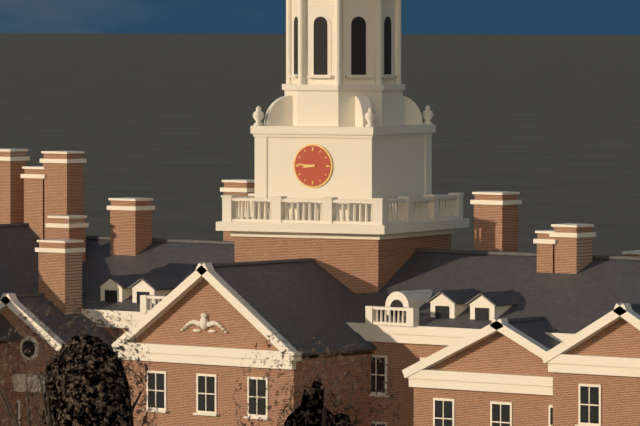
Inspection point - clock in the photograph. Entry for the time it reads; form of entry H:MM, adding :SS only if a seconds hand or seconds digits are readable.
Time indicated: 8:46
